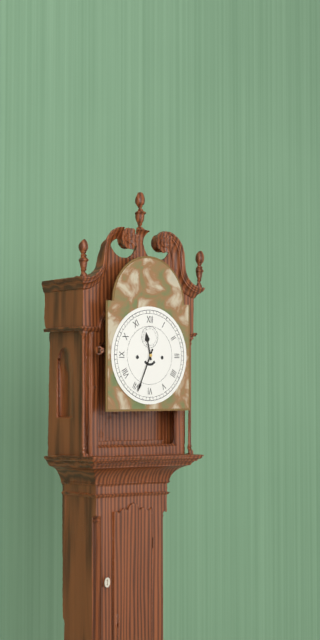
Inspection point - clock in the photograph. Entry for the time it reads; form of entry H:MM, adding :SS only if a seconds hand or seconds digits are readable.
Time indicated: 11:34
